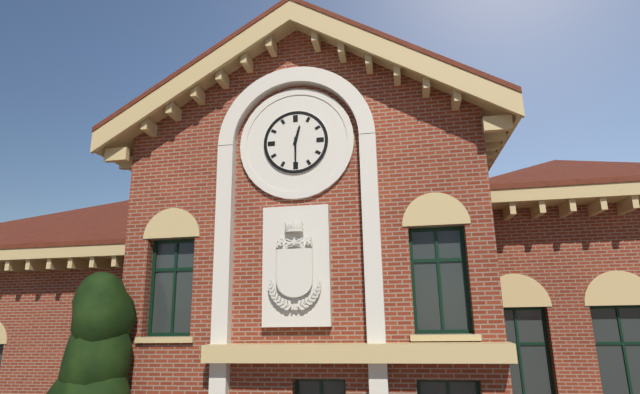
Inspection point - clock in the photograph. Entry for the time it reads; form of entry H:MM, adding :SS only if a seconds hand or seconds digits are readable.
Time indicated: 12:30
